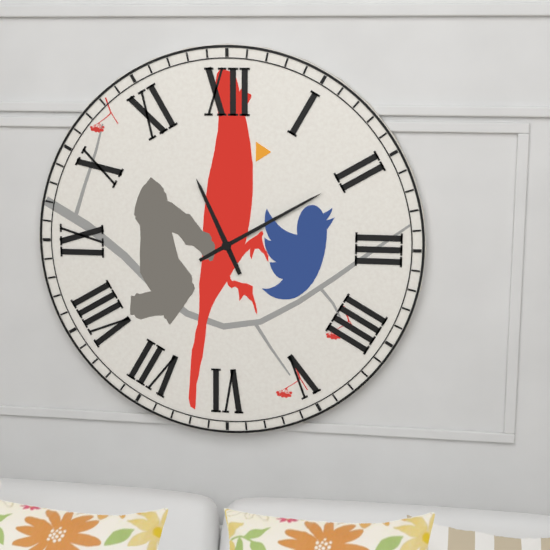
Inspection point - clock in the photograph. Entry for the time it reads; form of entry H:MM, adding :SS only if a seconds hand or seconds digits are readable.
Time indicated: 11:10
